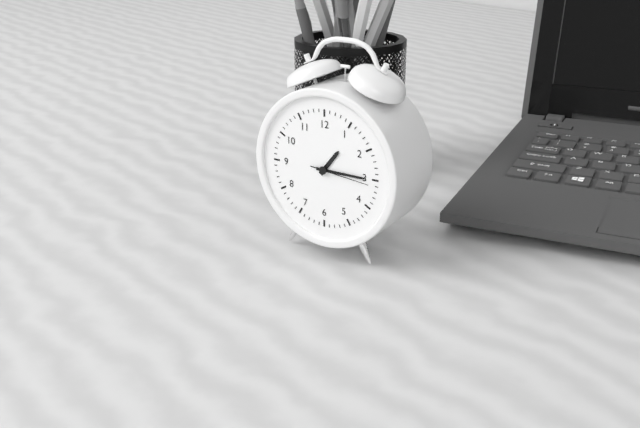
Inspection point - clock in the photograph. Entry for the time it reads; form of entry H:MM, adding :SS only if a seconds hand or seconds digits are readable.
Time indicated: 1:15:16
